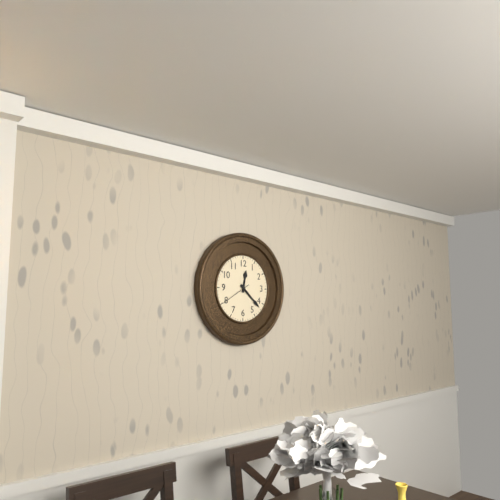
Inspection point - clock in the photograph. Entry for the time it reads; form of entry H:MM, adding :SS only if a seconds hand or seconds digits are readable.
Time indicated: 12:22
